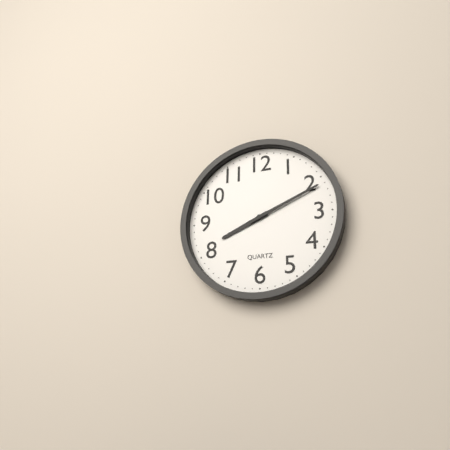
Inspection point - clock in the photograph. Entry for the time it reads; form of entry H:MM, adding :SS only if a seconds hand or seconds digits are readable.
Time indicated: 8:11
